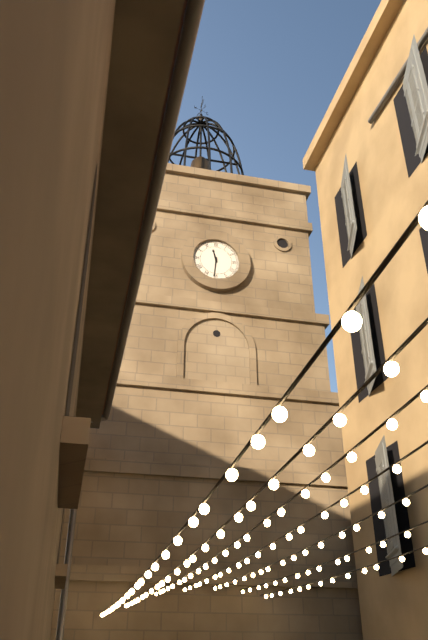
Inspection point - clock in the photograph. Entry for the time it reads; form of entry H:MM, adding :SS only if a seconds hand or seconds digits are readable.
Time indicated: 11:31
